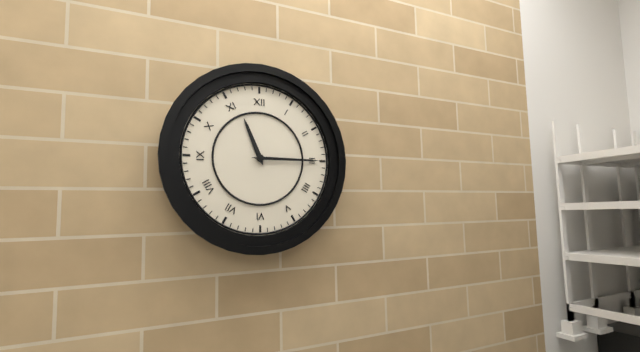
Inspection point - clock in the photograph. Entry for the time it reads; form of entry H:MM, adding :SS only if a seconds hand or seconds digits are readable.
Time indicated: 11:15
